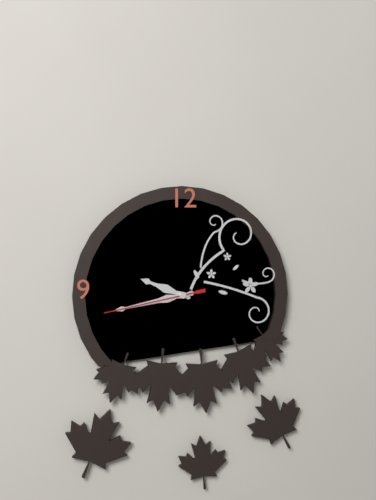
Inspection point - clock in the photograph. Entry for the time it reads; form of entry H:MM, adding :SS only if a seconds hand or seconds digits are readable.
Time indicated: 9:43:43
